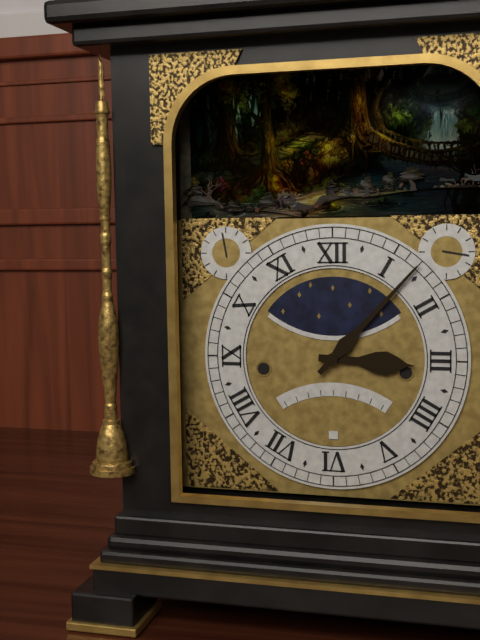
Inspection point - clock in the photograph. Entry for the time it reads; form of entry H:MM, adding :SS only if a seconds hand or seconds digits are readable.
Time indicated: 3:07
